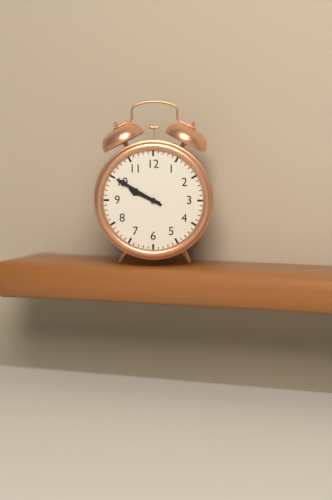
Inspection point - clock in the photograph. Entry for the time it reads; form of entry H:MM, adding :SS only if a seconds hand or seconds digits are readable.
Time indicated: 9:50
